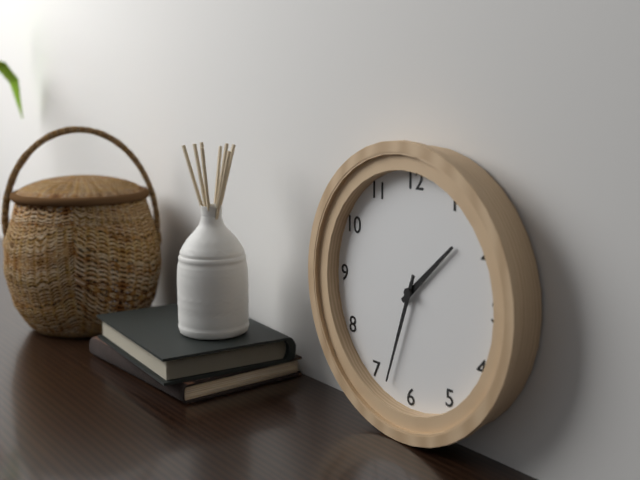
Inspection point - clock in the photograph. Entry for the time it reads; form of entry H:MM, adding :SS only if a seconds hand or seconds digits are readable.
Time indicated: 1:33
